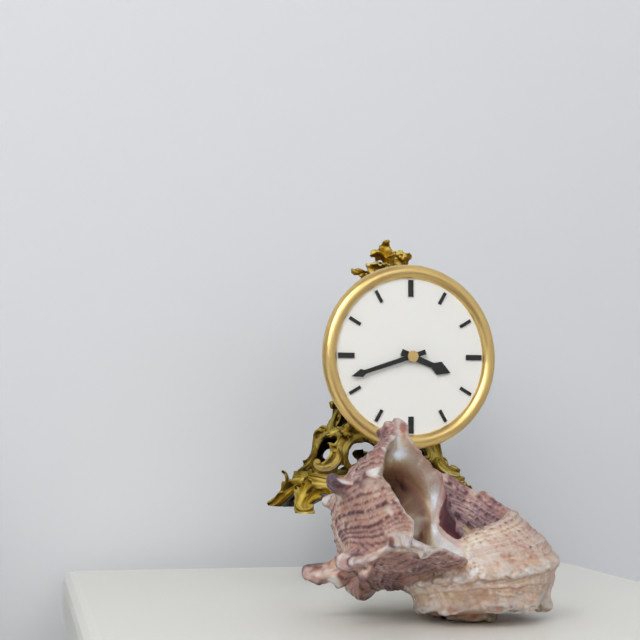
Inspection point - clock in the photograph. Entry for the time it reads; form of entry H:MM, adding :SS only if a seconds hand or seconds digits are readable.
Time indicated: 3:42
